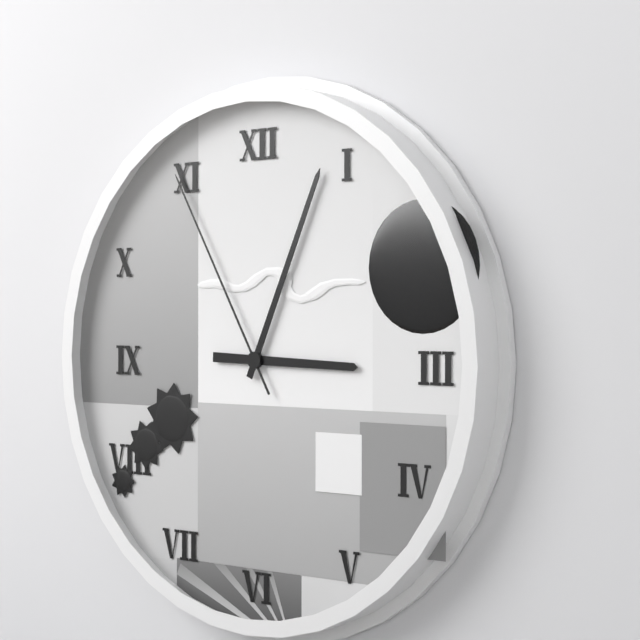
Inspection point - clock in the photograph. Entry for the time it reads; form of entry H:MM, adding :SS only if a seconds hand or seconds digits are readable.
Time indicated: 3:04:55
